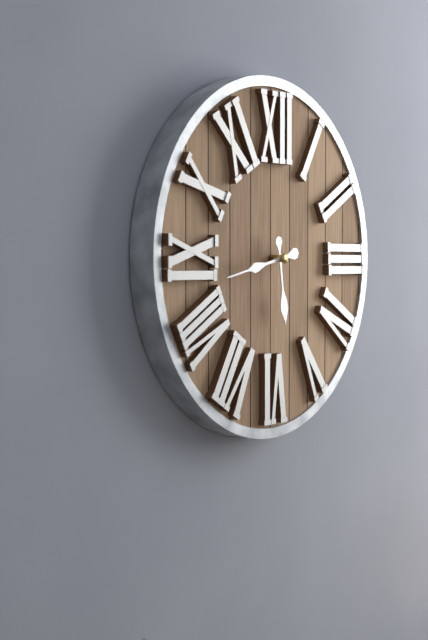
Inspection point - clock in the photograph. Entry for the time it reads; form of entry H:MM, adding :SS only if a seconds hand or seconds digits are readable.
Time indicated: 5:43
